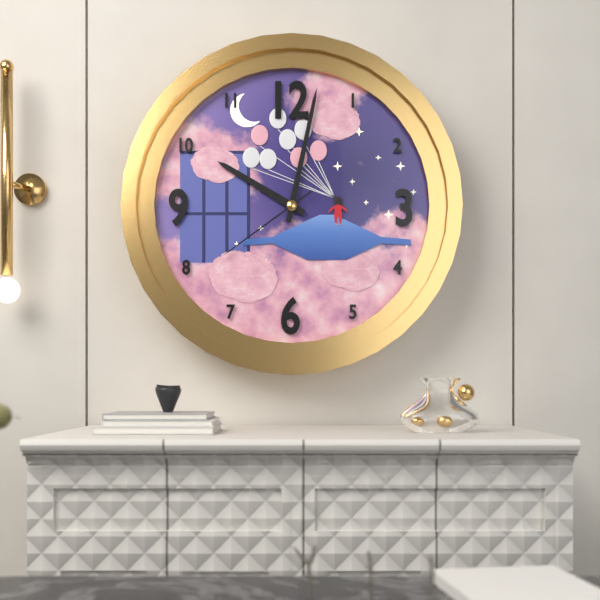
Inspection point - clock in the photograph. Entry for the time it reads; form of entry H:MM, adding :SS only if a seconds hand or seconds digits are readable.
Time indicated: 10:02:39
